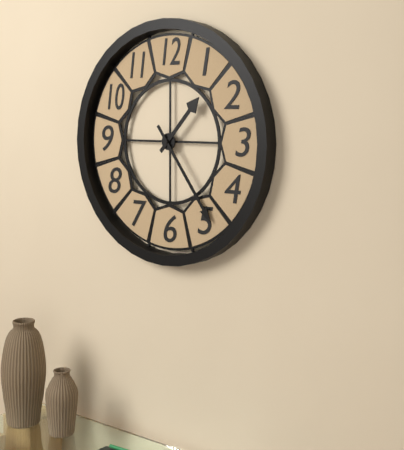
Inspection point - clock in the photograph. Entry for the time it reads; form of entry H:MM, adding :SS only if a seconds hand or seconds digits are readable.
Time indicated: 1:24
